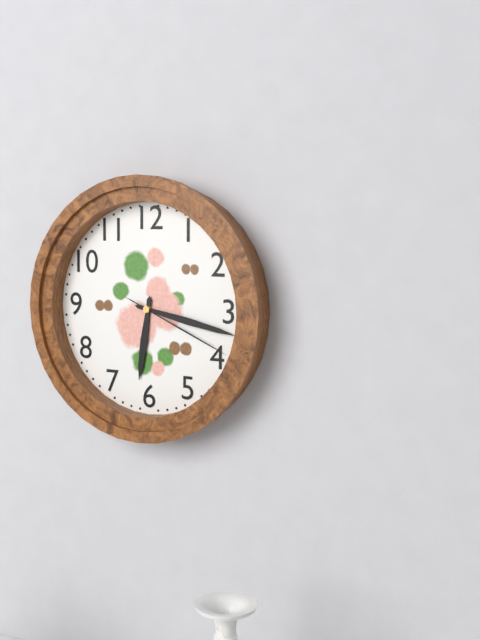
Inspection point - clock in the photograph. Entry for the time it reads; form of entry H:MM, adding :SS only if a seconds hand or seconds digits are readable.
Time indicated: 6:17:19
